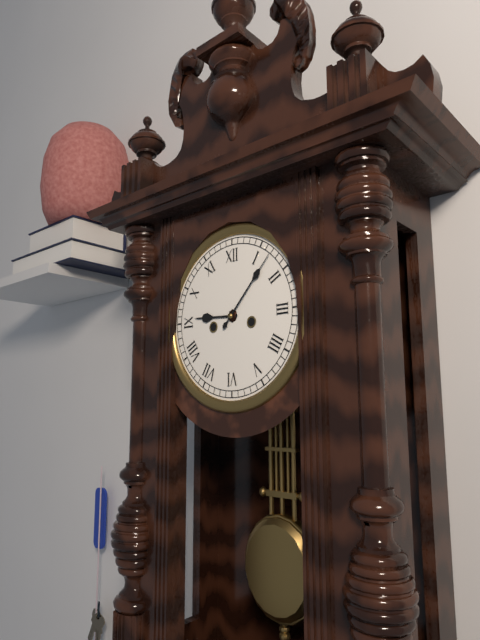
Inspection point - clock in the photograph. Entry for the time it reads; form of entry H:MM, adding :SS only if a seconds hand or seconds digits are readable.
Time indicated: 9:07
